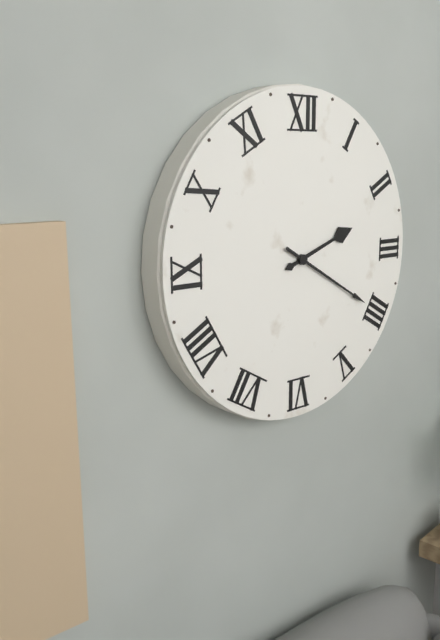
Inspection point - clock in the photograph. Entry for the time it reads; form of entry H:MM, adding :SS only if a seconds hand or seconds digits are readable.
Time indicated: 2:20
